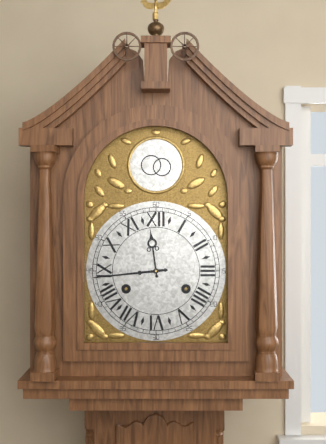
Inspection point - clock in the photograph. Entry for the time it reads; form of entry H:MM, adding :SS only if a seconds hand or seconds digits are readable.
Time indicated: 11:44
